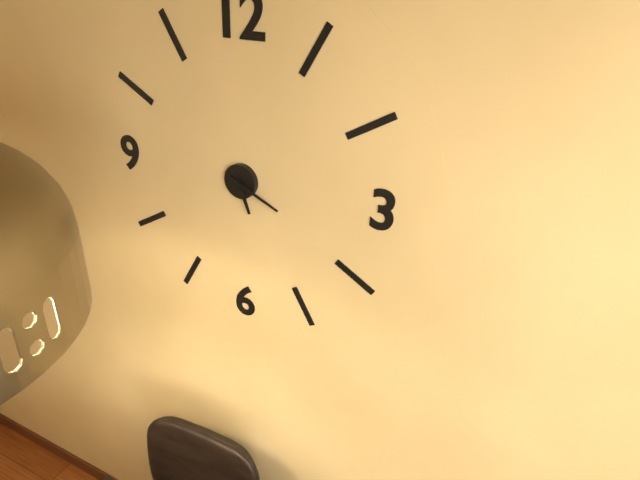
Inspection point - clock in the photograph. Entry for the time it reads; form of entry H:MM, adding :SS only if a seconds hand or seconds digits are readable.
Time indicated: 5:19
